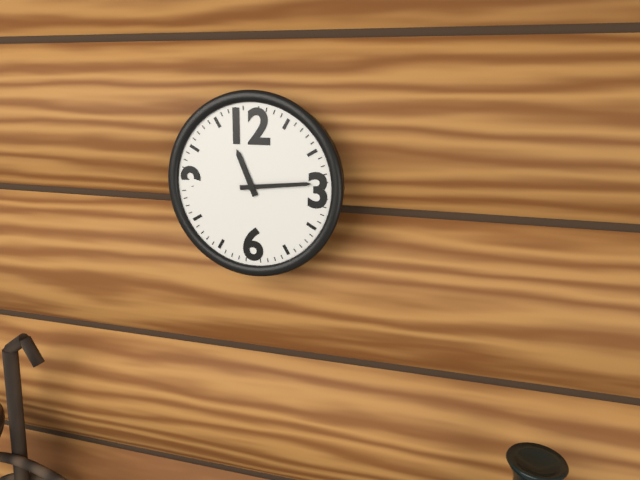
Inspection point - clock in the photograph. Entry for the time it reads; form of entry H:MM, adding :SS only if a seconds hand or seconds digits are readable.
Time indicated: 11:14
